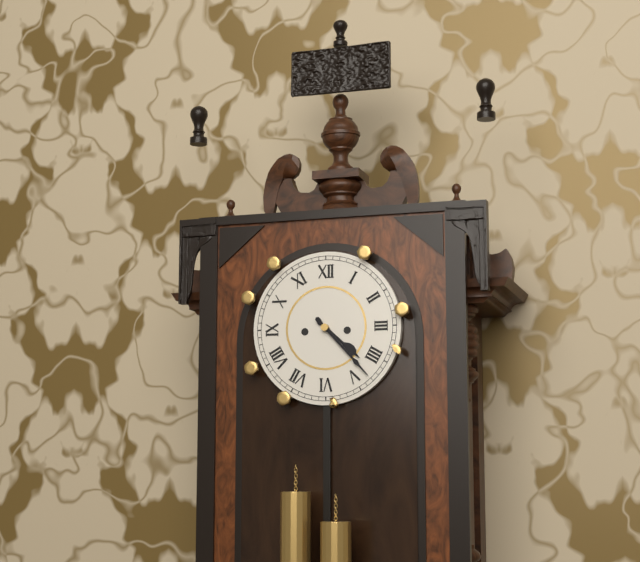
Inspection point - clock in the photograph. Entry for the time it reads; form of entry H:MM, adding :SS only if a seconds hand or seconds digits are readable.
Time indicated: 4:23
